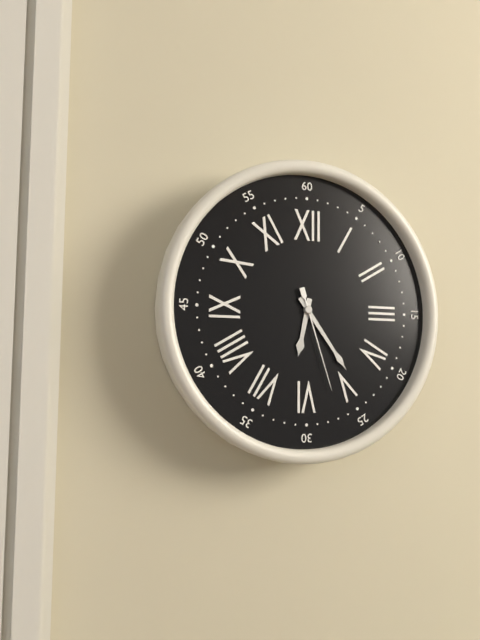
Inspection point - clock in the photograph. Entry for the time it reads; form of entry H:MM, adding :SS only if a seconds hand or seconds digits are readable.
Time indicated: 6:24:27
